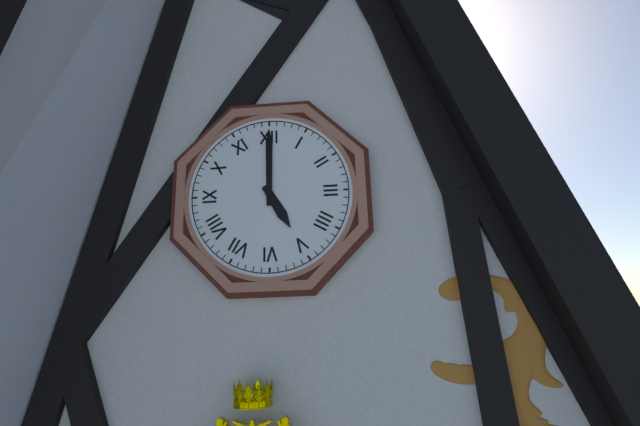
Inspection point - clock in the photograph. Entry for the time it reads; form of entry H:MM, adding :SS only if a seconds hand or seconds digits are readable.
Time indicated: 5:00
